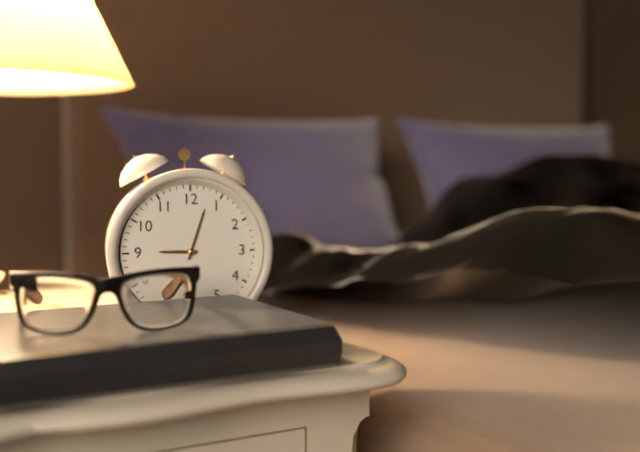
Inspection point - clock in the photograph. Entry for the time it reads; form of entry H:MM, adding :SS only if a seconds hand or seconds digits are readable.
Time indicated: 9:03
